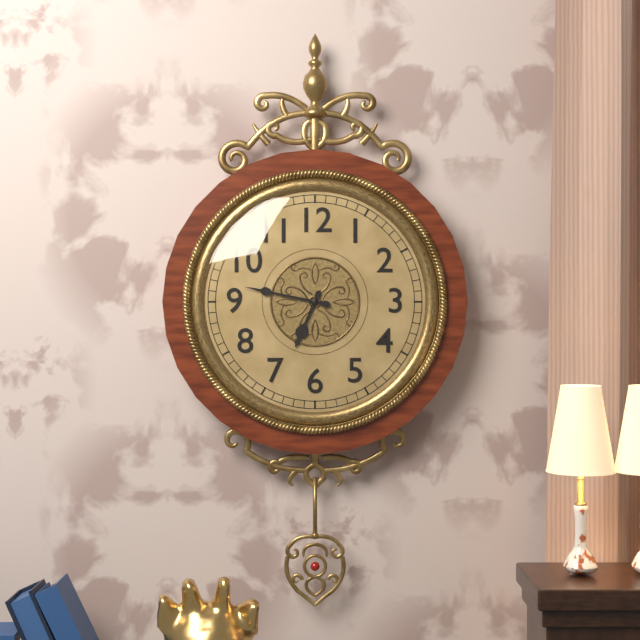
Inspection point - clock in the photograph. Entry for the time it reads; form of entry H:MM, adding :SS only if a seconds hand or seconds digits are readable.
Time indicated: 6:47
